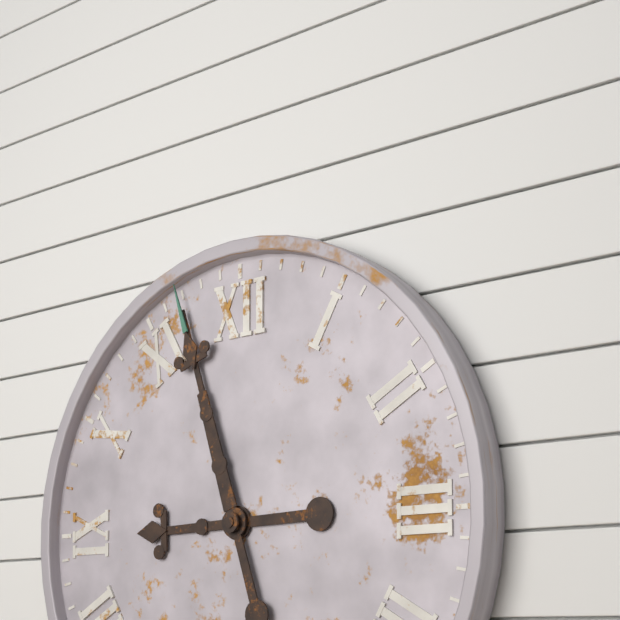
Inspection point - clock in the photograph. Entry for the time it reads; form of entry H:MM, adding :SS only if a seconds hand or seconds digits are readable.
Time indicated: 8:57
